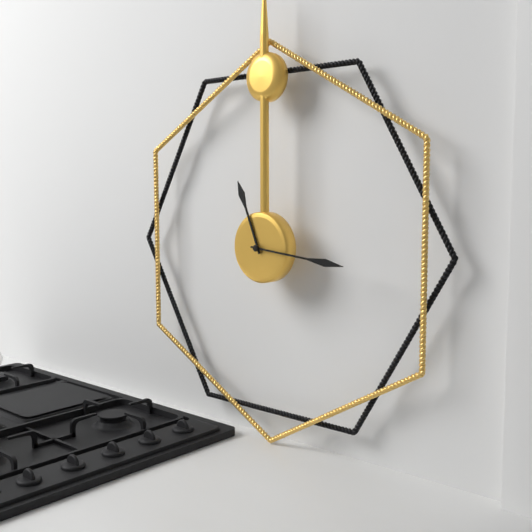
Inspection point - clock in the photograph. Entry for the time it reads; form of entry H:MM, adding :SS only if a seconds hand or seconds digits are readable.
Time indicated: 11:16
